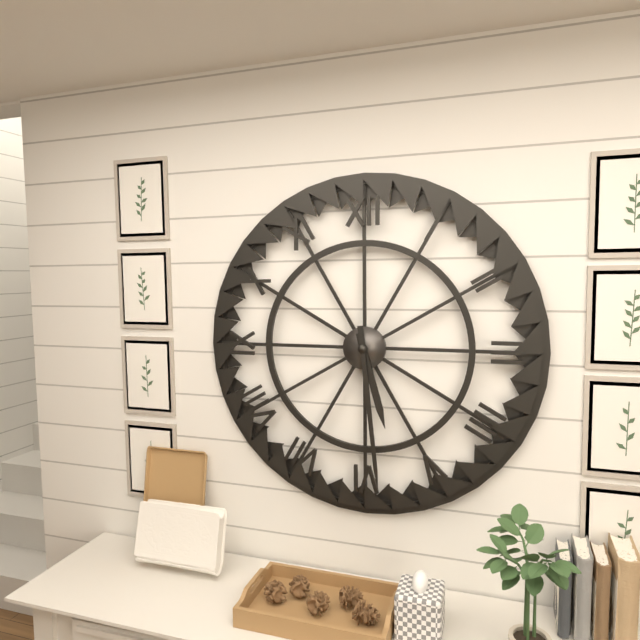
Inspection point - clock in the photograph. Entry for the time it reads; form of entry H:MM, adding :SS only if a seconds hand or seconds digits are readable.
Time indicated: 5:29
